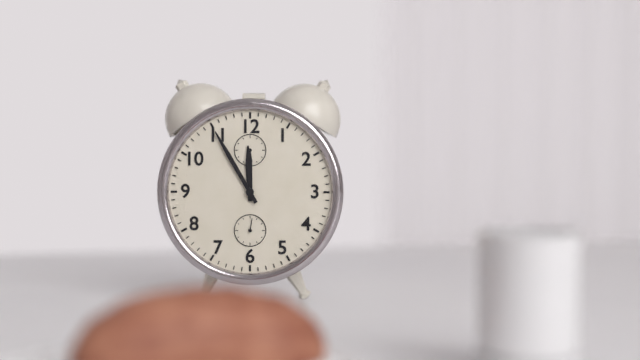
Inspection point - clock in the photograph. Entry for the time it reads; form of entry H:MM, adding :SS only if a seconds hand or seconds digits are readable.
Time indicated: 11:55
